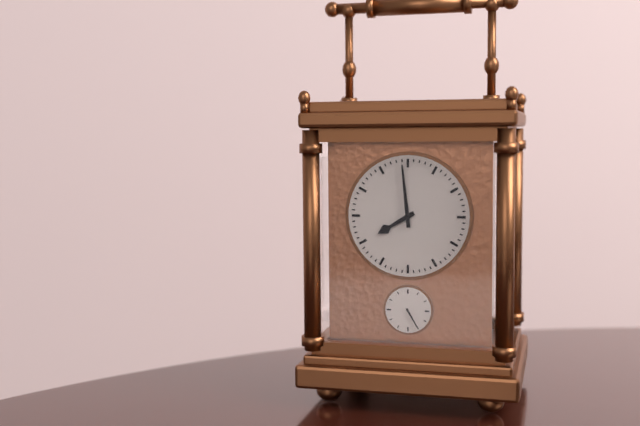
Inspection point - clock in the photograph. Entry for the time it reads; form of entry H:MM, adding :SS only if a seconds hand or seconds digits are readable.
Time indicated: 7:59
